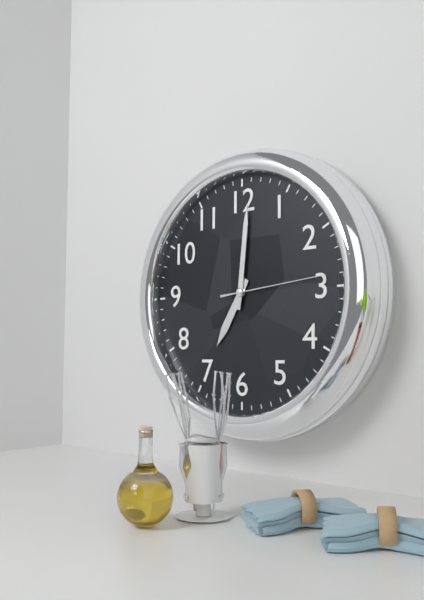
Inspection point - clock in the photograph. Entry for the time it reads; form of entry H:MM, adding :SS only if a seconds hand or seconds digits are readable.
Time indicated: 7:01:14
